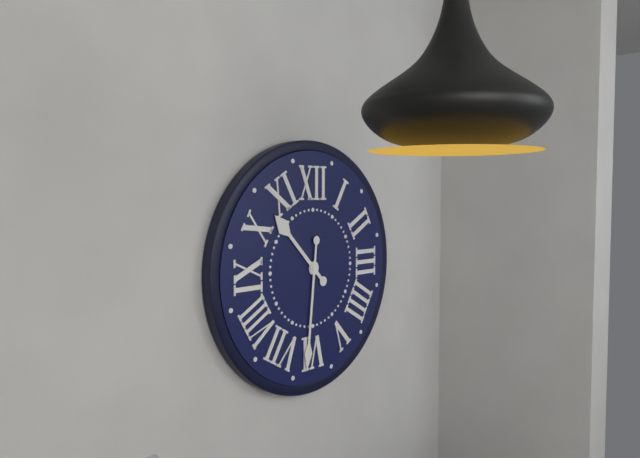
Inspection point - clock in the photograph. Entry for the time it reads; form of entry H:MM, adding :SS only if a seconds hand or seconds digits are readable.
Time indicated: 10:31
